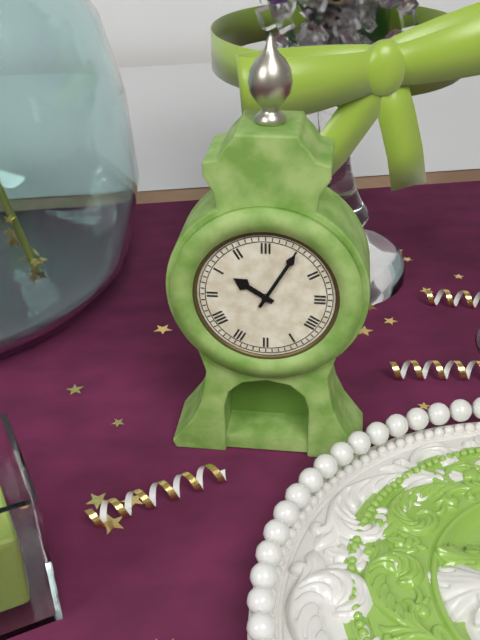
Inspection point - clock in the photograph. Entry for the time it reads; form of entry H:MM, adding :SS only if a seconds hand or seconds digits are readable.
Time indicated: 10:05
